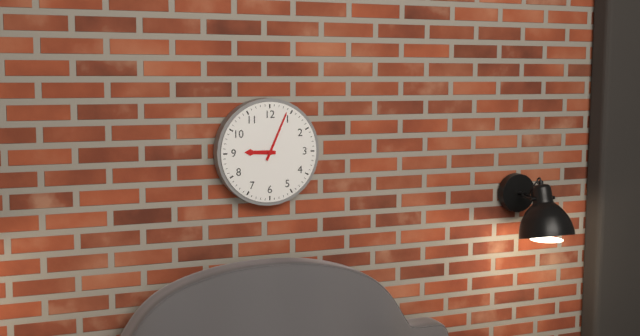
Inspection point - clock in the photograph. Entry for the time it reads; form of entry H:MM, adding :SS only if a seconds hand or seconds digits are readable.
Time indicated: 9:04
